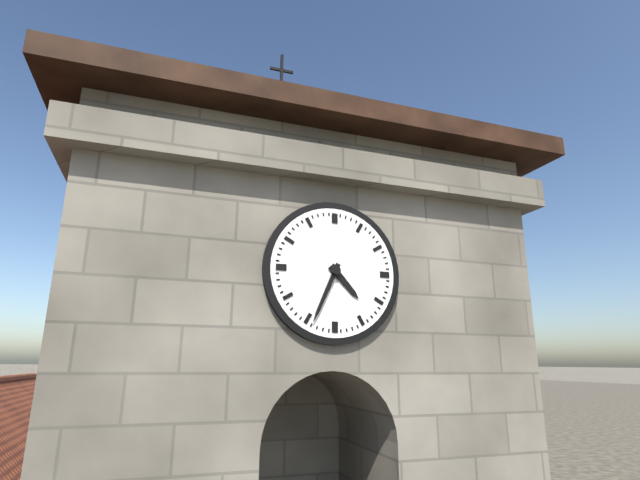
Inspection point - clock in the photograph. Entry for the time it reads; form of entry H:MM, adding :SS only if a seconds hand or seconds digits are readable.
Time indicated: 4:34
